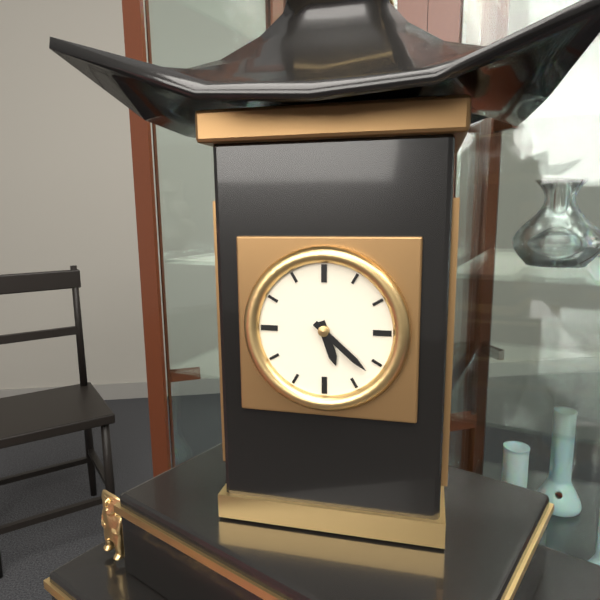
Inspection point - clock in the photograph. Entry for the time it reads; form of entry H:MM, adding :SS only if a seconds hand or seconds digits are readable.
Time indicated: 5:22
